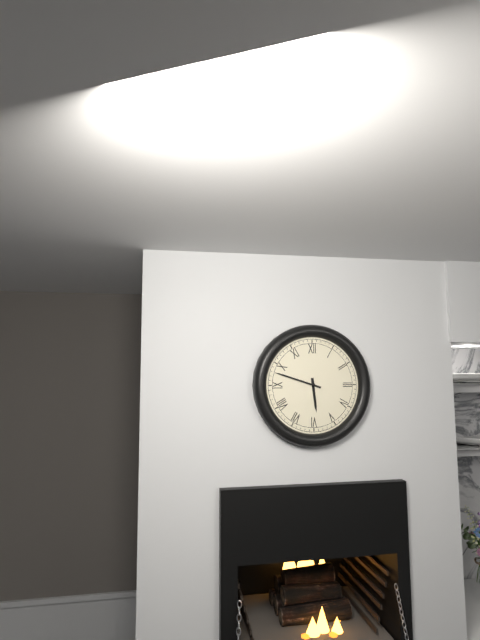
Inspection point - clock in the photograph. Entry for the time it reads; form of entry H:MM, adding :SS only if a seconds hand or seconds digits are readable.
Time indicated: 5:48
